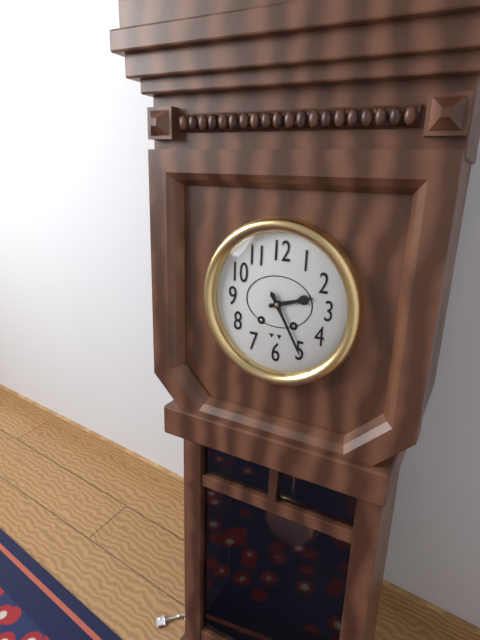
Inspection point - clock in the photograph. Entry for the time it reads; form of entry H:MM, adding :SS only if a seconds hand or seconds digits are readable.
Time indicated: 2:25
